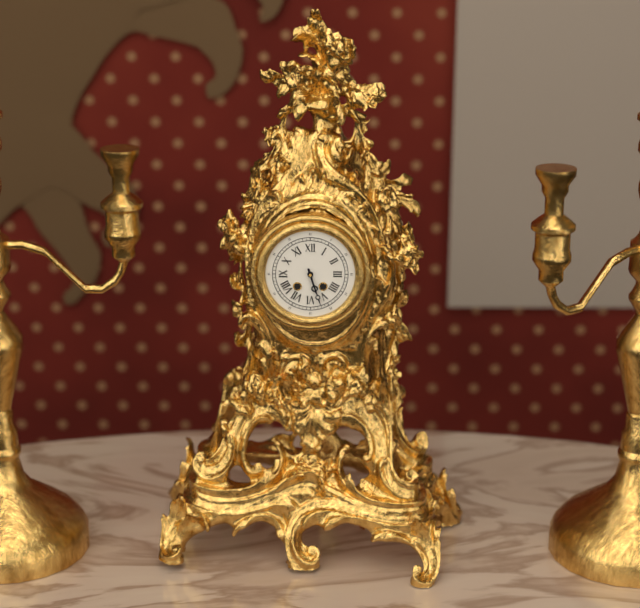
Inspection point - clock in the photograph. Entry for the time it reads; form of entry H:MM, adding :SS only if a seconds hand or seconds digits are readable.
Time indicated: 5:27
